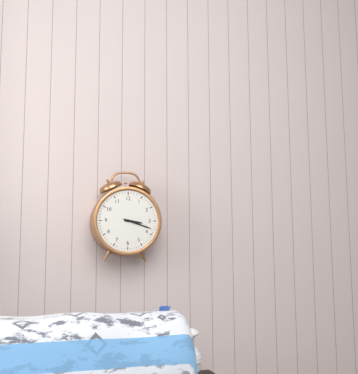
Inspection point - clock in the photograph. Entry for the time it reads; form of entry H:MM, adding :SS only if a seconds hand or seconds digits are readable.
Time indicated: 3:18
